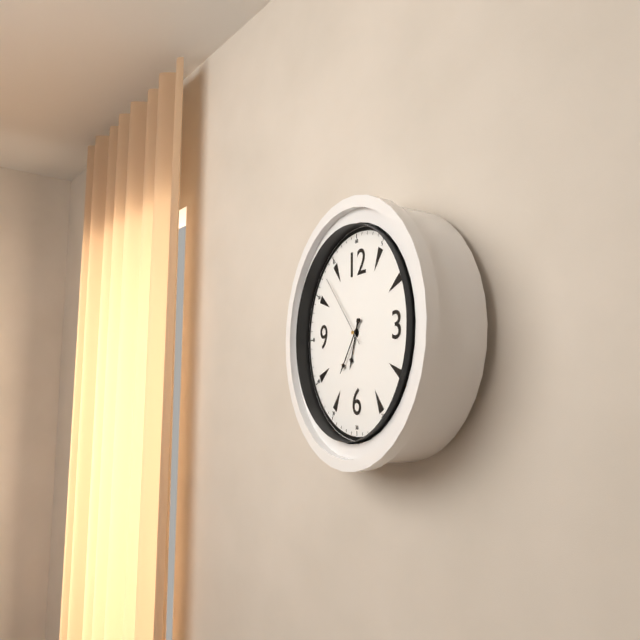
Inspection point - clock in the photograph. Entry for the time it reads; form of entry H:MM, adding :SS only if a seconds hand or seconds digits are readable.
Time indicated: 6:36:53
